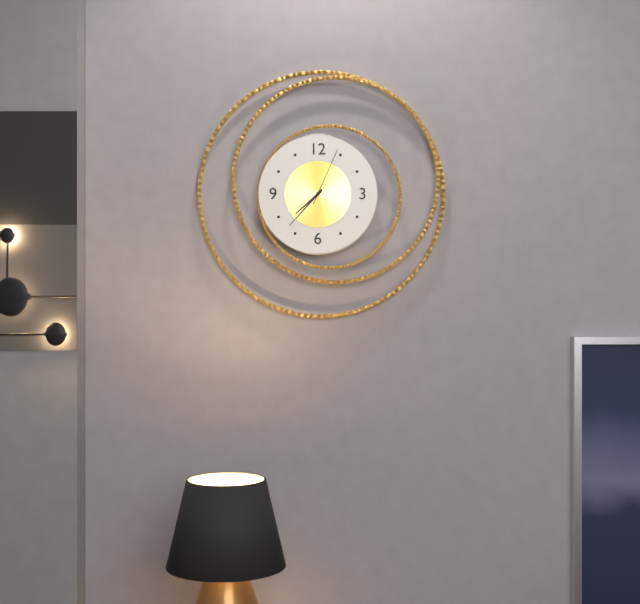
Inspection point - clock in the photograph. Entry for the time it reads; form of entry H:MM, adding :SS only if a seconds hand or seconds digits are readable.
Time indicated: 7:37:04
